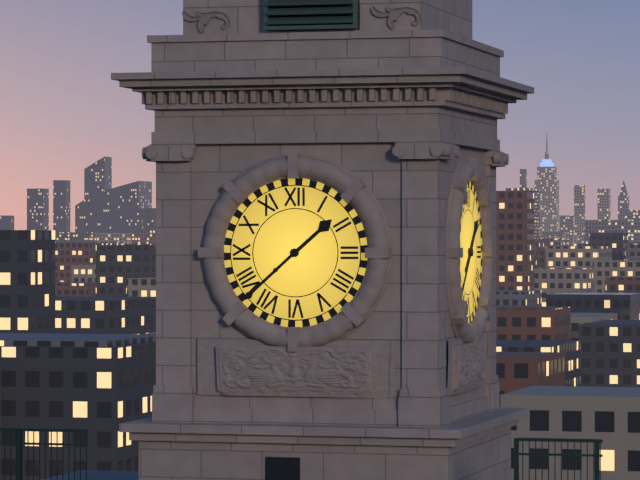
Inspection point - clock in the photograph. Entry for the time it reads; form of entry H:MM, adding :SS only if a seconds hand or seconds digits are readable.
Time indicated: 1:38
